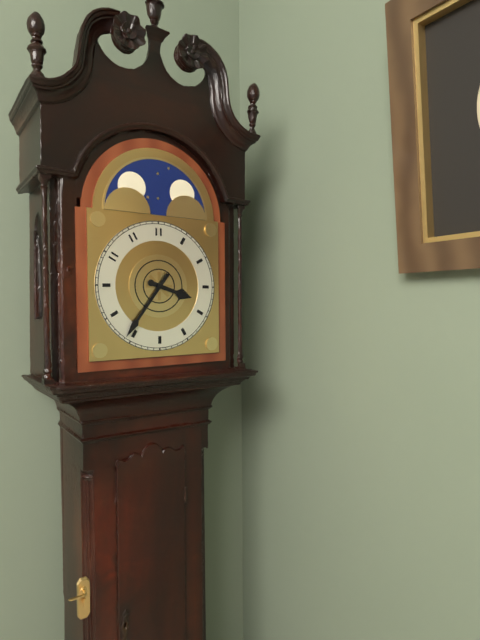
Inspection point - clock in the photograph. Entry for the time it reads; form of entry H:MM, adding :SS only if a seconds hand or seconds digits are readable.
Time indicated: 3:36
